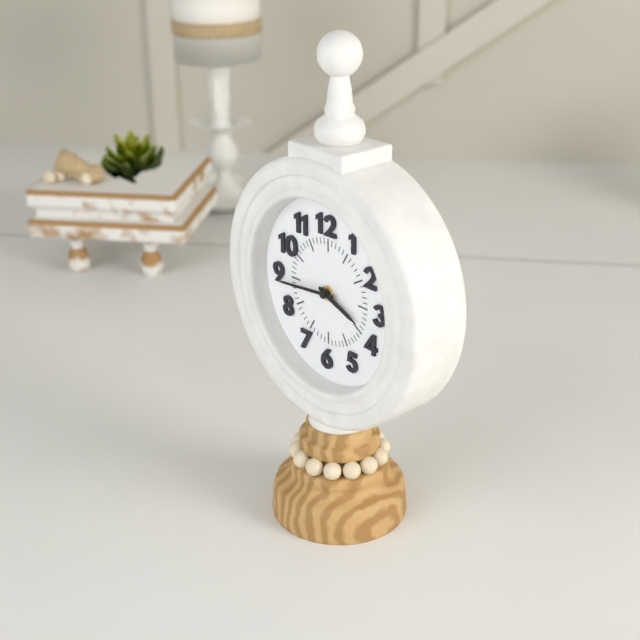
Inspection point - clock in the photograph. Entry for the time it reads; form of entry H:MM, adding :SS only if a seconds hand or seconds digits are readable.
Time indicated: 3:44
